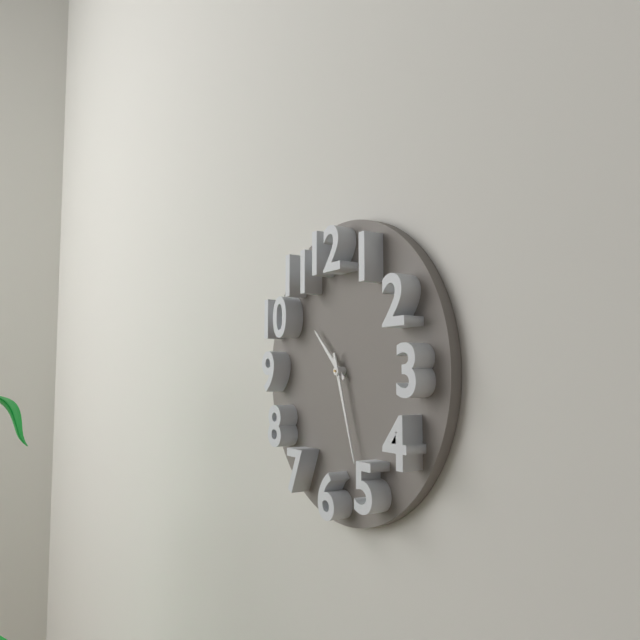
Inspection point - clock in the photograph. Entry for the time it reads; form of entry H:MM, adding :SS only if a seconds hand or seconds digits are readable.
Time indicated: 10:27
